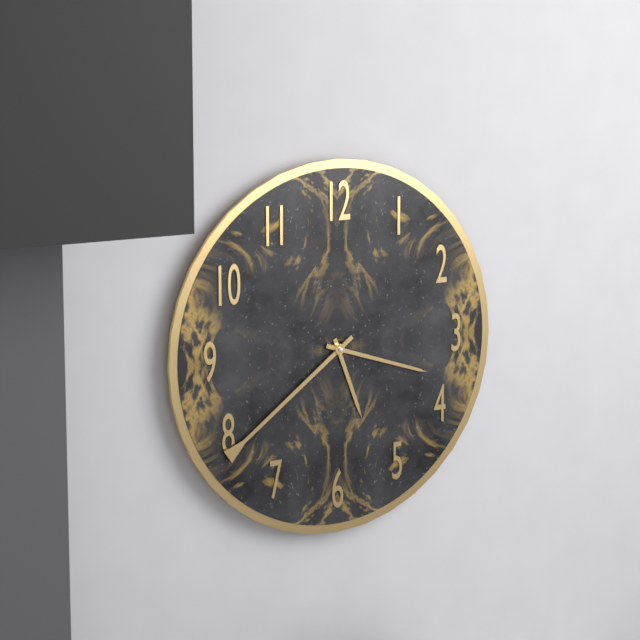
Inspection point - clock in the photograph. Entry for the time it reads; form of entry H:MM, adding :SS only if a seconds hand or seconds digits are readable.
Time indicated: 5:18:39
